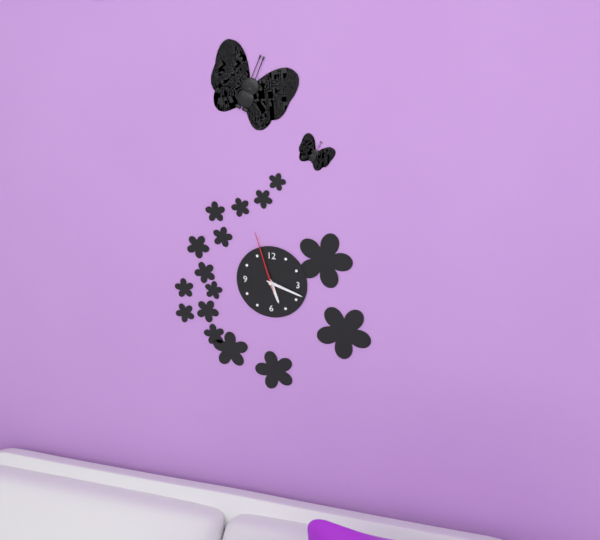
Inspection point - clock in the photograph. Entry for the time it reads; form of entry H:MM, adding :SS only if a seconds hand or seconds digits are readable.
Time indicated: 5:18:57
